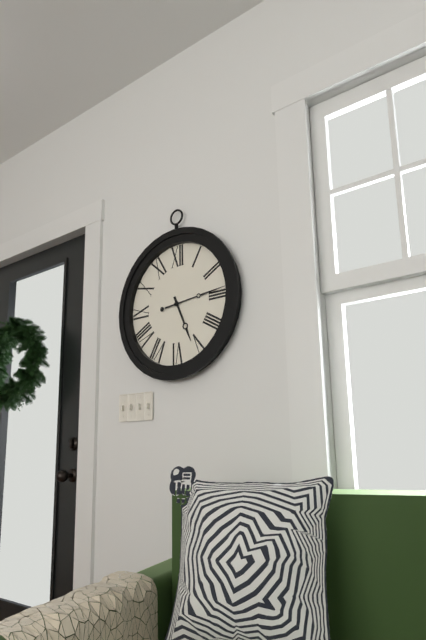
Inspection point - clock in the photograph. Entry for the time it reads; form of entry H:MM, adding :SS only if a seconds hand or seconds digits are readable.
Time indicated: 5:14
